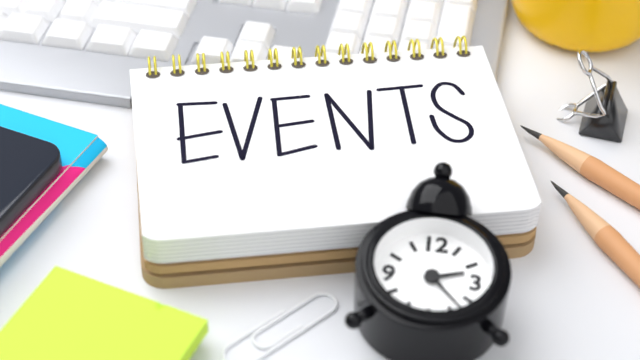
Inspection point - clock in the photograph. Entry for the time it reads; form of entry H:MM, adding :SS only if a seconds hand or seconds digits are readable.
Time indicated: 2:23
